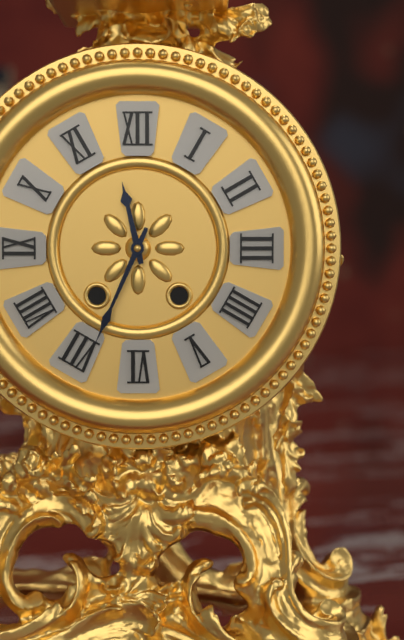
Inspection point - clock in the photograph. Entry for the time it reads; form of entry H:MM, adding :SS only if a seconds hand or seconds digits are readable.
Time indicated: 11:34
